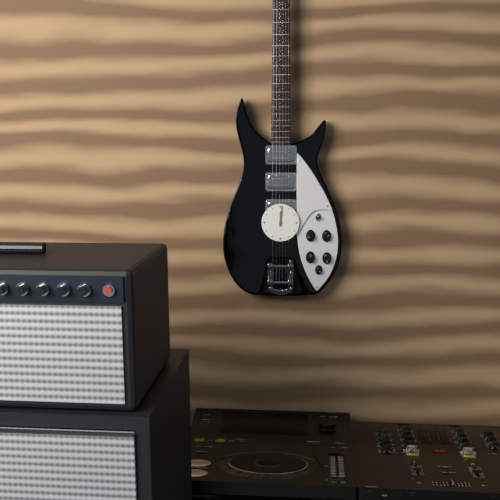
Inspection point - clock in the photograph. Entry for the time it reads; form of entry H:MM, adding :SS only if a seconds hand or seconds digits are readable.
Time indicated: 12:01
